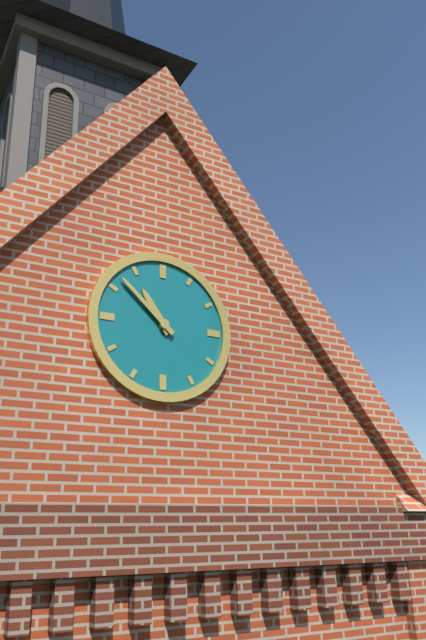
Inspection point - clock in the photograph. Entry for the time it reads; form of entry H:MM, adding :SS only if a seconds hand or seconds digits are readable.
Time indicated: 10:52
